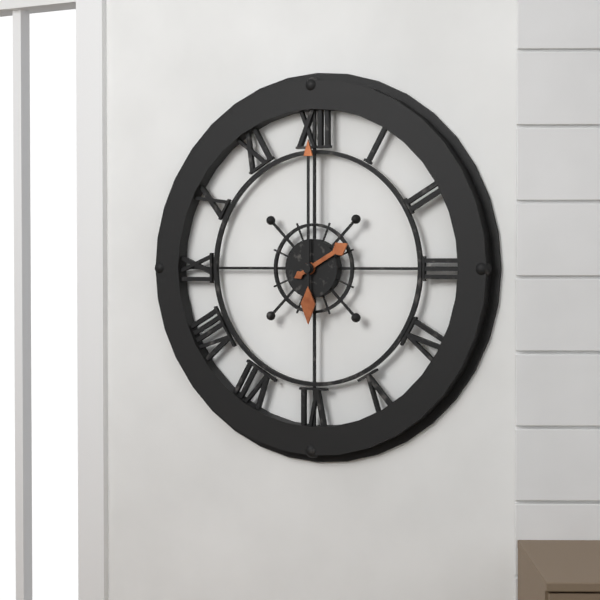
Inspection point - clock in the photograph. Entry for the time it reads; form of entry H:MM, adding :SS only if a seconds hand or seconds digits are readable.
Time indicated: 2:00
